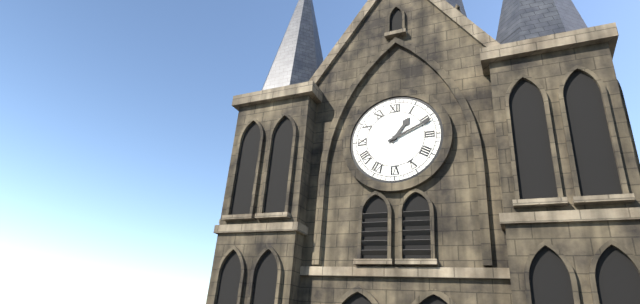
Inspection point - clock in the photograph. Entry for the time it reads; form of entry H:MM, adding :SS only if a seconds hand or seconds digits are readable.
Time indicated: 1:11
